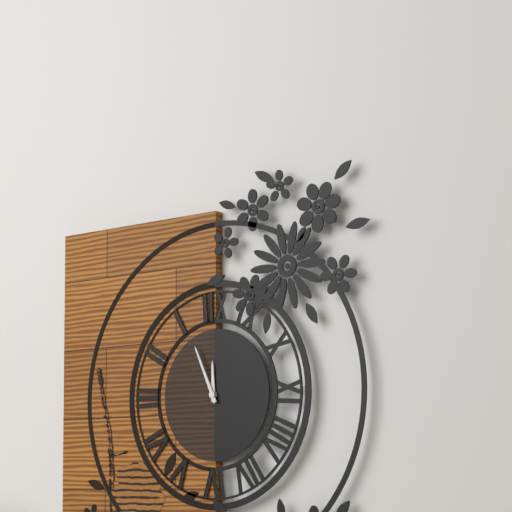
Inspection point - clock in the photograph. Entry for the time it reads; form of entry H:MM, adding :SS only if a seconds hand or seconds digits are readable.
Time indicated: 11:56
